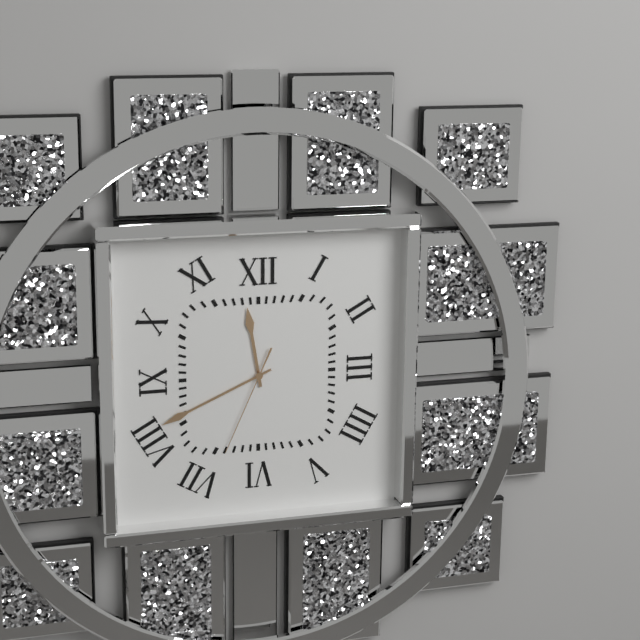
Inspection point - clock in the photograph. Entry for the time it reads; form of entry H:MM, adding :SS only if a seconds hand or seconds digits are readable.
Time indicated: 11:41:34
